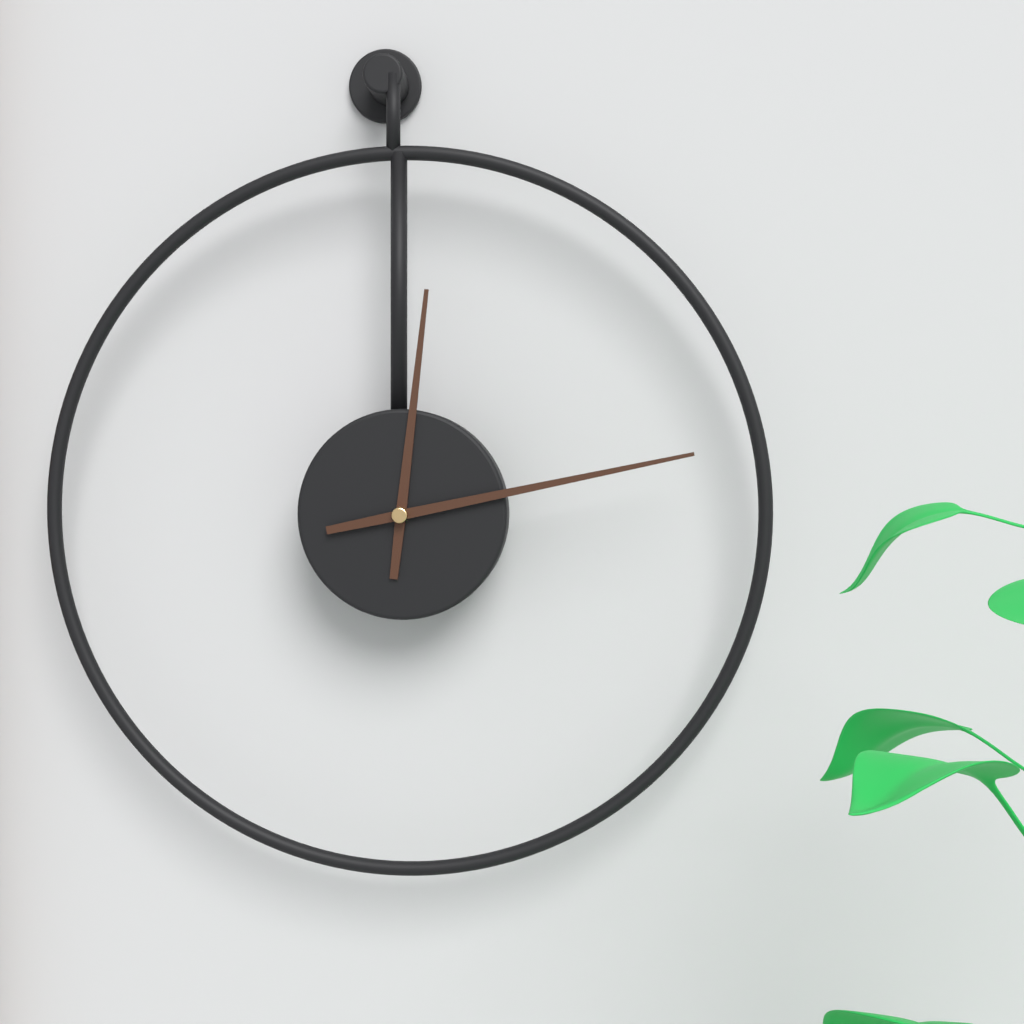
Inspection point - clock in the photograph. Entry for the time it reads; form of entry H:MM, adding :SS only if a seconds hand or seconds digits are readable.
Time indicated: 12:13
